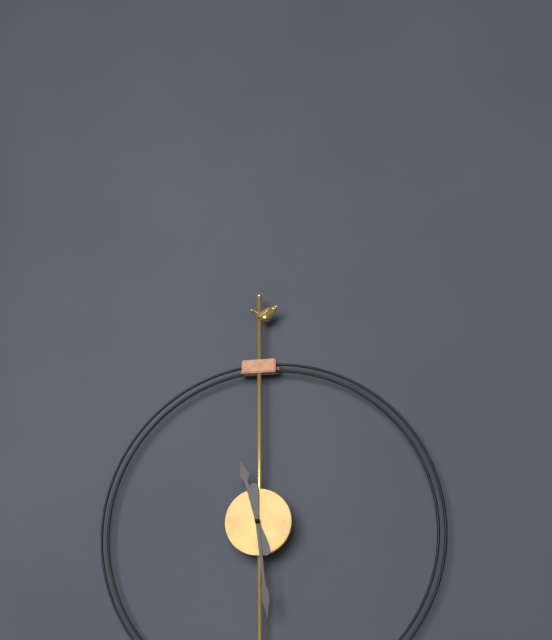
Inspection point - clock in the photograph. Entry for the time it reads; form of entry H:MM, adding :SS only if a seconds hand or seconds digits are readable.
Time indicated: 11:29
